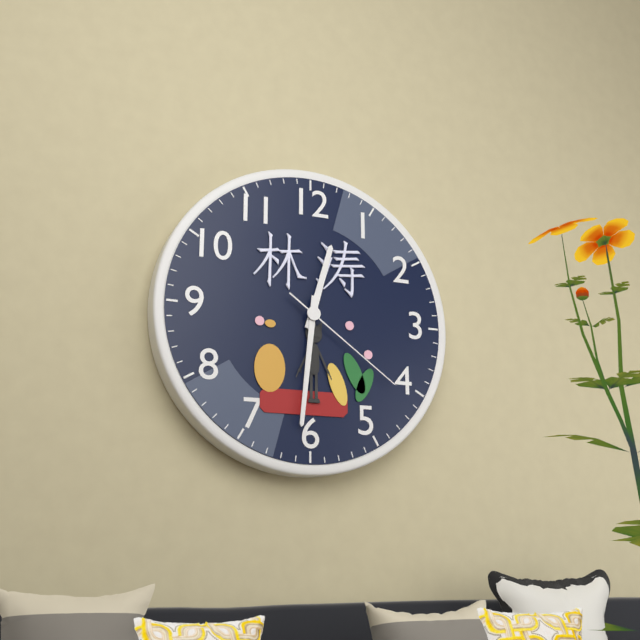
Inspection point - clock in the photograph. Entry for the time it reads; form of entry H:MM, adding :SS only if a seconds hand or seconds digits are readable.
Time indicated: 12:31:21
